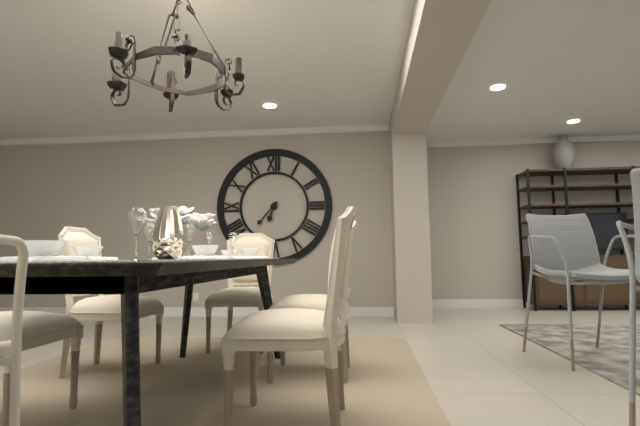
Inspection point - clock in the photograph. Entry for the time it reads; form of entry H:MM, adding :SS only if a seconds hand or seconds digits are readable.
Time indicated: 6:37
